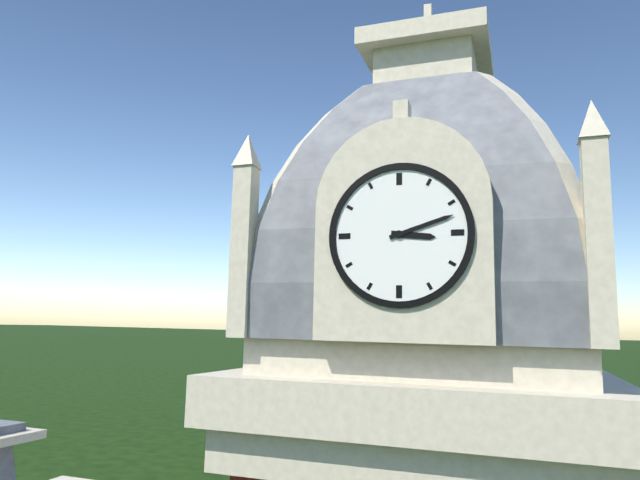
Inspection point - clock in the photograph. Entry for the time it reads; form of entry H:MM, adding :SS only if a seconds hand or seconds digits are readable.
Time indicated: 3:12
